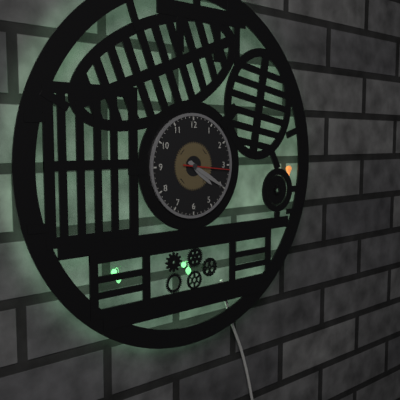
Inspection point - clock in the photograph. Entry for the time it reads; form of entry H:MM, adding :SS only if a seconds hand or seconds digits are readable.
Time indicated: 4:20
